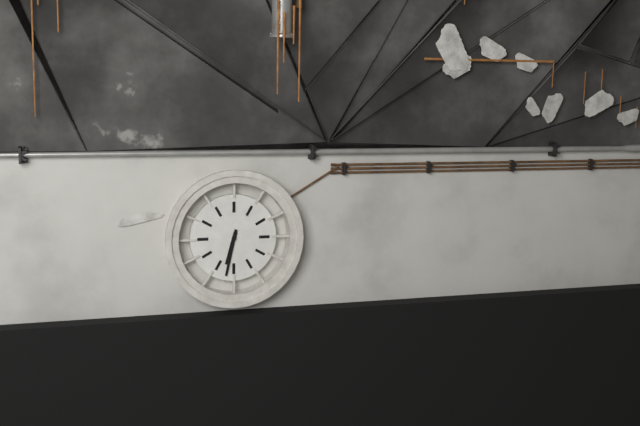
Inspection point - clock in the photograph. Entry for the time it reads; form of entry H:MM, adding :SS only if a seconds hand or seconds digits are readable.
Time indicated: 6:32
